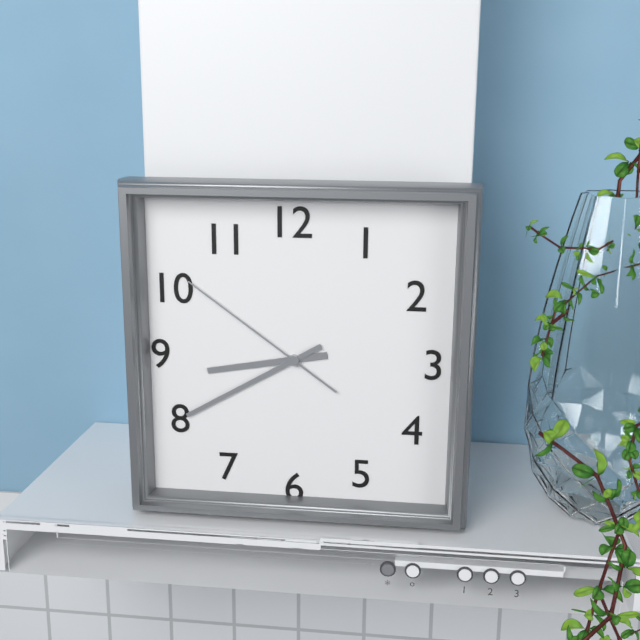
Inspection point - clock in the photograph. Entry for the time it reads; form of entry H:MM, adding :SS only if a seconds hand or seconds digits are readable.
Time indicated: 8:40:51
